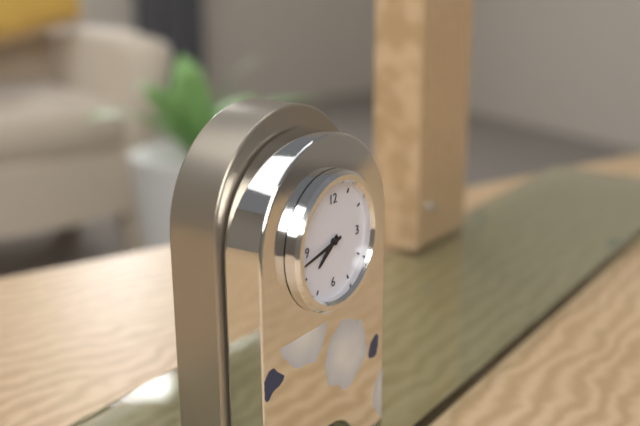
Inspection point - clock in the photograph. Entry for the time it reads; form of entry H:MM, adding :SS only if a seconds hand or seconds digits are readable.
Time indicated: 7:43
